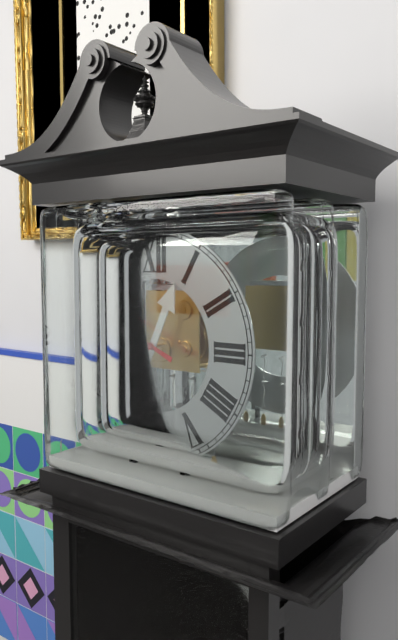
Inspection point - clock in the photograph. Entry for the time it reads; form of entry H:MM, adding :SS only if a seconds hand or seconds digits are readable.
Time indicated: 12:49
